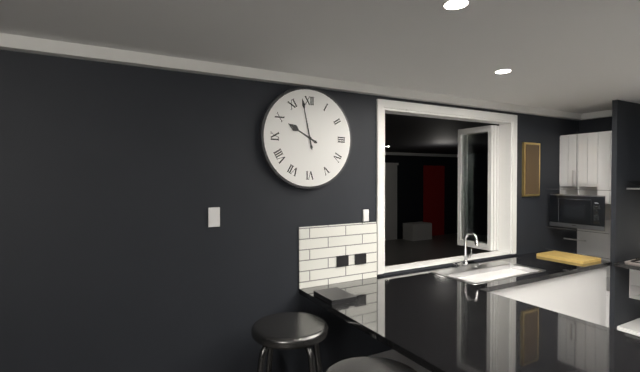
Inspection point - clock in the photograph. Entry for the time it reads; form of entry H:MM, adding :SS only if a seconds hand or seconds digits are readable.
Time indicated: 9:58
